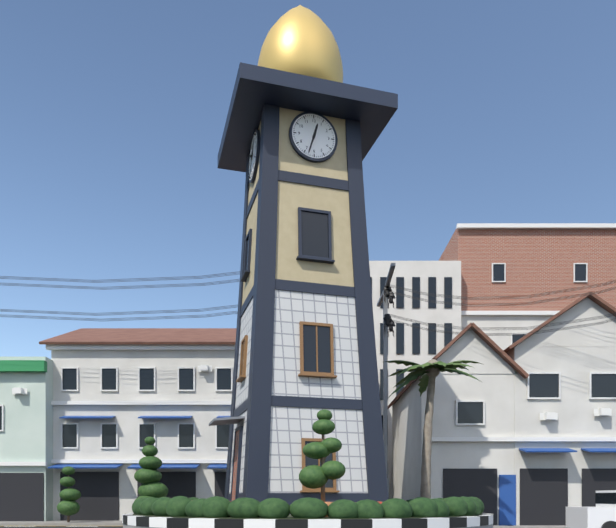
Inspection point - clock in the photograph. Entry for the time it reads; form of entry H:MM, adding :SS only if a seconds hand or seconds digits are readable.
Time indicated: 12:33
